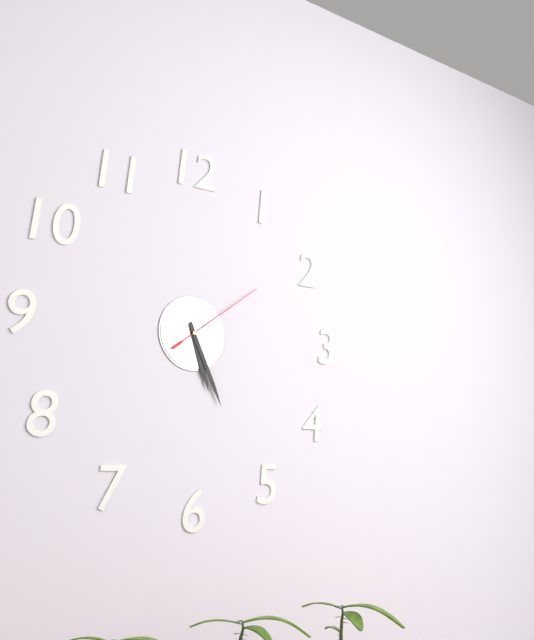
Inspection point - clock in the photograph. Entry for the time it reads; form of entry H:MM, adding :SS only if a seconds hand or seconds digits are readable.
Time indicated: 5:26:09
